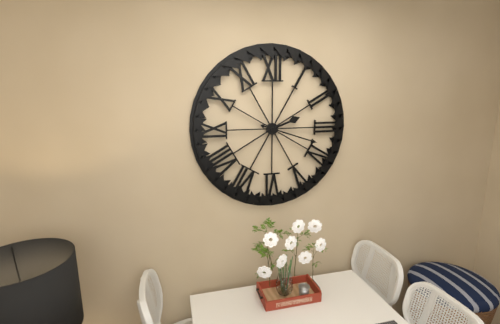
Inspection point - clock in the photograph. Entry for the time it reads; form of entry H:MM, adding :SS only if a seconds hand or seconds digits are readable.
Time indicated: 2:18
